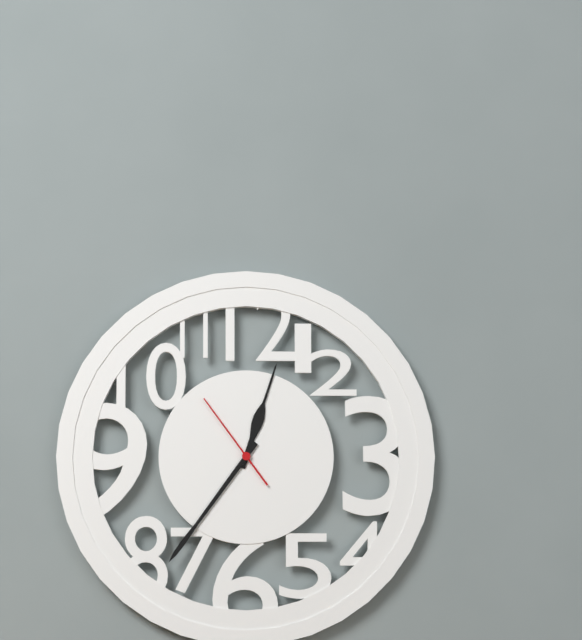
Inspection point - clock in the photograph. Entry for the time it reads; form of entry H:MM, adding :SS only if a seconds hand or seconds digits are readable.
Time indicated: 12:36:54
